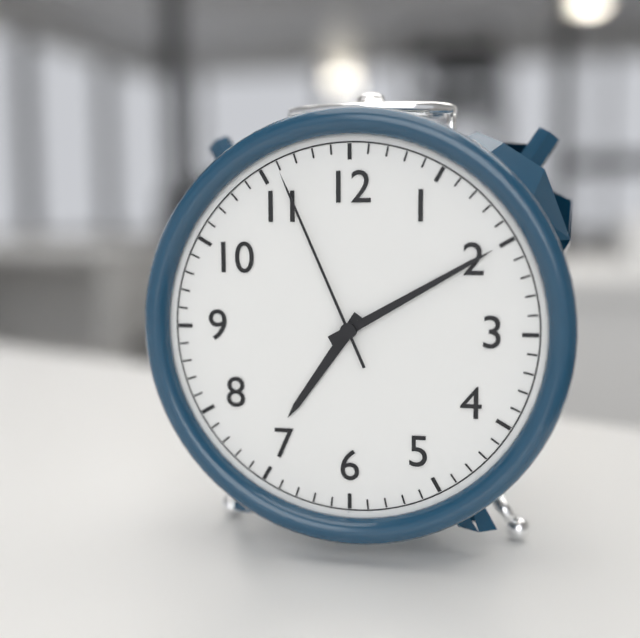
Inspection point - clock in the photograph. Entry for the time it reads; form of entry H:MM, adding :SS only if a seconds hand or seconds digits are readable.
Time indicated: 7:10:56
